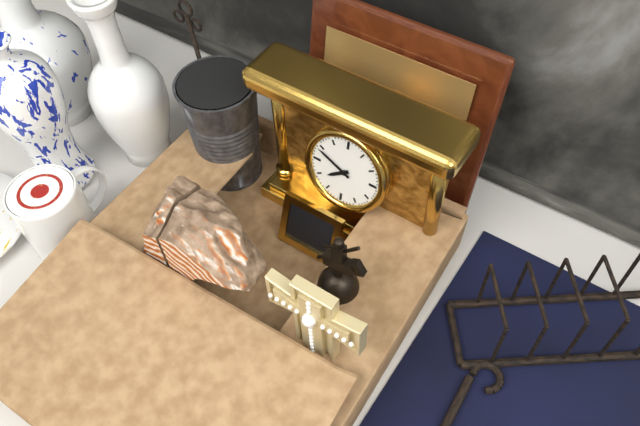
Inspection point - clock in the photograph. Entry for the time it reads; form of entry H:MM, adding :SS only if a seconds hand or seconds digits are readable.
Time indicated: 7:49
